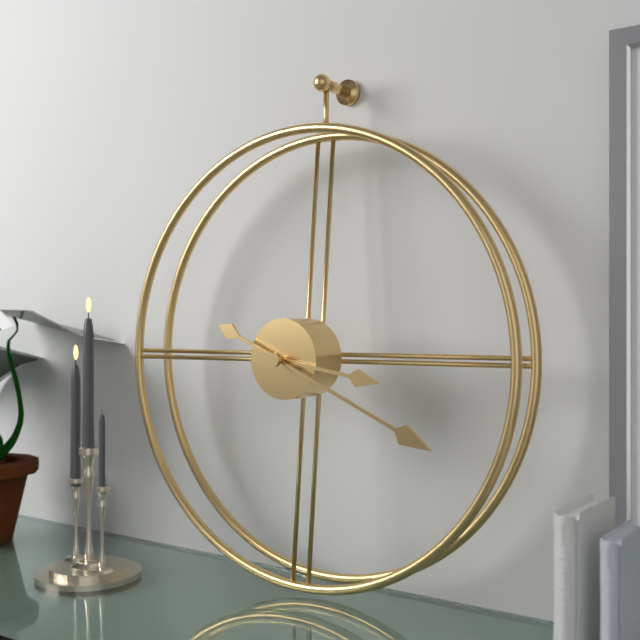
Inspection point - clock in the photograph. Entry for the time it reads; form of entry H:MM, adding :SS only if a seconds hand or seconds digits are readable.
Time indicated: 3:19
